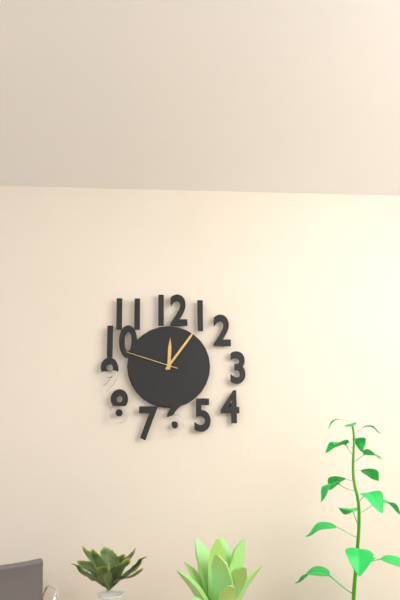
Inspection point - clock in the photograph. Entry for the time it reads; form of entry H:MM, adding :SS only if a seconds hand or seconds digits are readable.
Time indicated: 12:06:48
